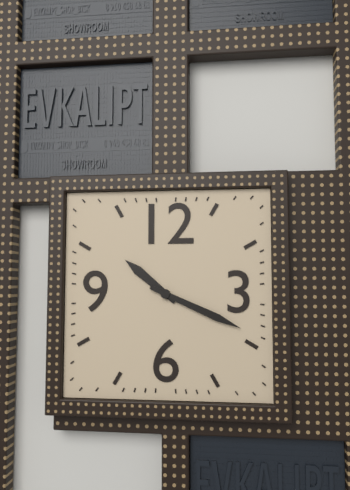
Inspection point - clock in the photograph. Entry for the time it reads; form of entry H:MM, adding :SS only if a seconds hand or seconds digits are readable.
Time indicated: 10:19
